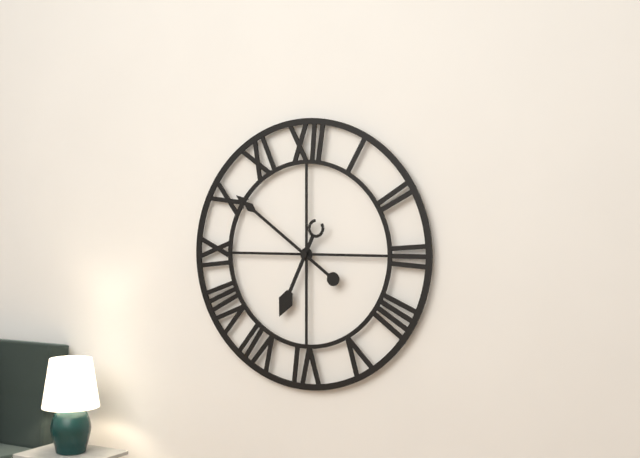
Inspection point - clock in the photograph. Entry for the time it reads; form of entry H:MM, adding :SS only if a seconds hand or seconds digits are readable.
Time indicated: 6:51
